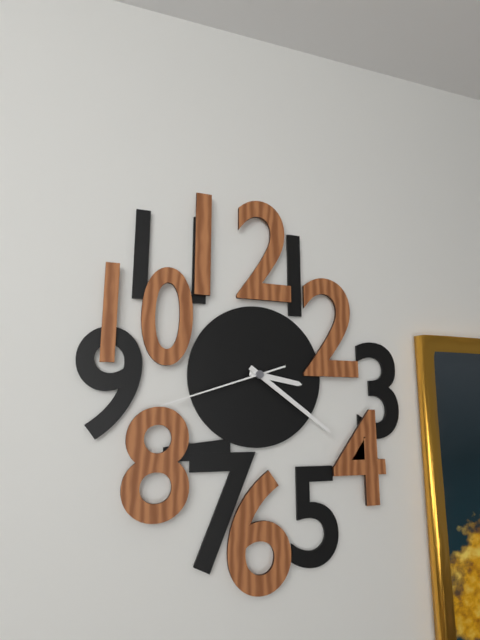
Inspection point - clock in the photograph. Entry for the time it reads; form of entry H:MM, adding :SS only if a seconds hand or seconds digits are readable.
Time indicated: 3:21:42
